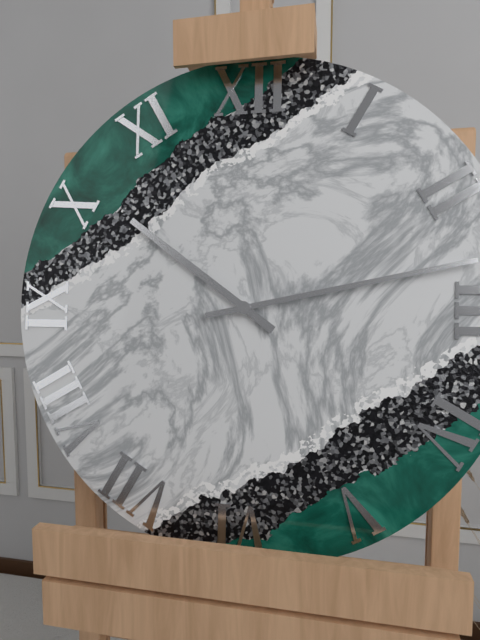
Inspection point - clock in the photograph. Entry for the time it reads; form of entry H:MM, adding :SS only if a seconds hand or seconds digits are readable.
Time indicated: 10:13
